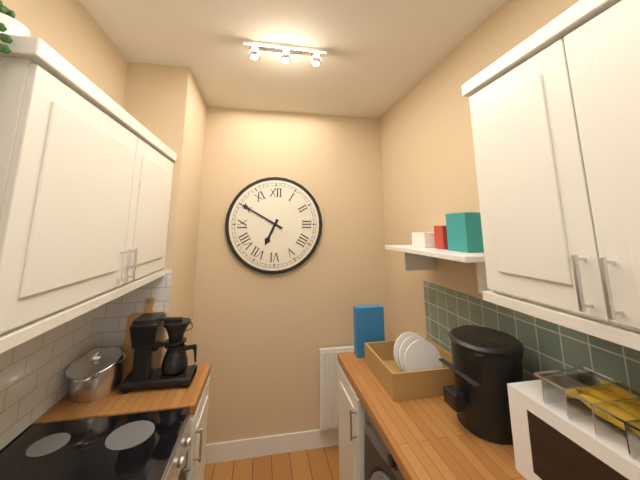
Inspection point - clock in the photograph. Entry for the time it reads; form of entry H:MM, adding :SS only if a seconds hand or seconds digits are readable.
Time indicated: 6:50
